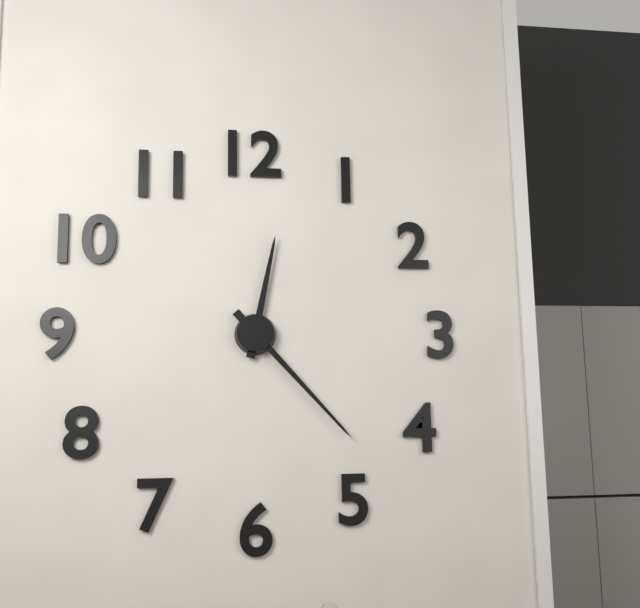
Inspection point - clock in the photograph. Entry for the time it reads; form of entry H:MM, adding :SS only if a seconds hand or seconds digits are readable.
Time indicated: 12:23
